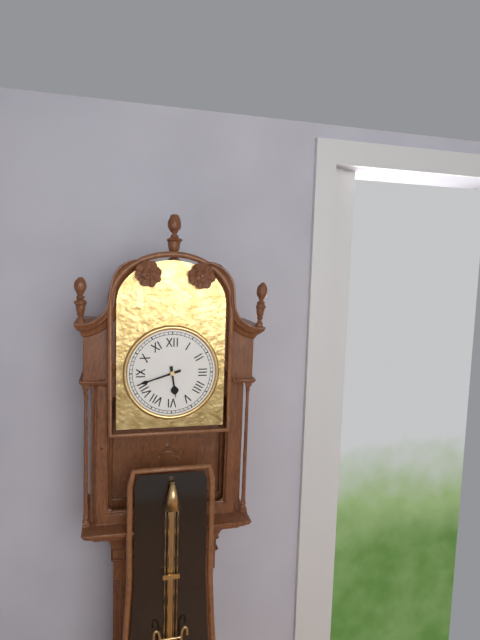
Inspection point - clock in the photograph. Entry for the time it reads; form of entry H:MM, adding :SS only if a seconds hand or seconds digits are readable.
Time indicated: 5:42
